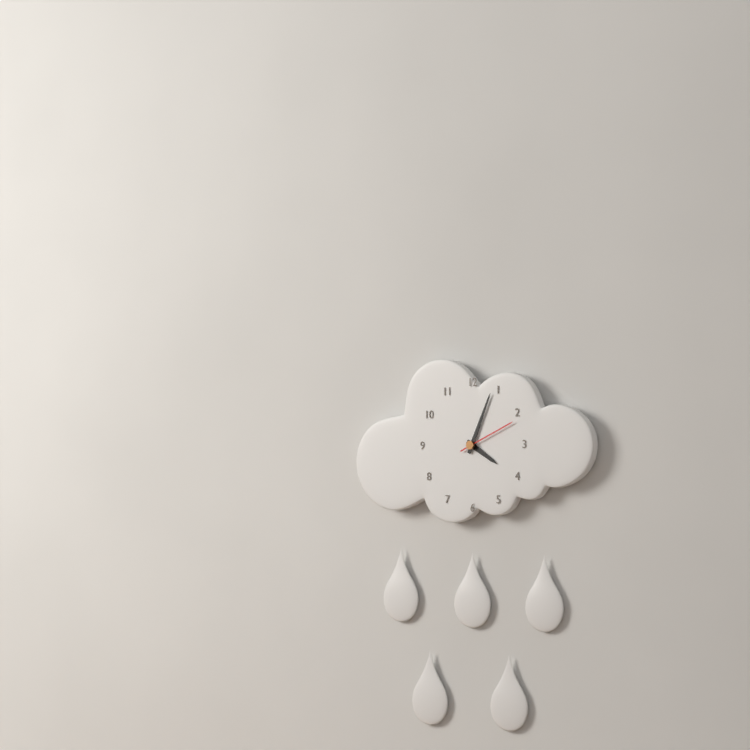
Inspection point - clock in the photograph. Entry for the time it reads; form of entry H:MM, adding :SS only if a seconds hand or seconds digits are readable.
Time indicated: 4:04:11
